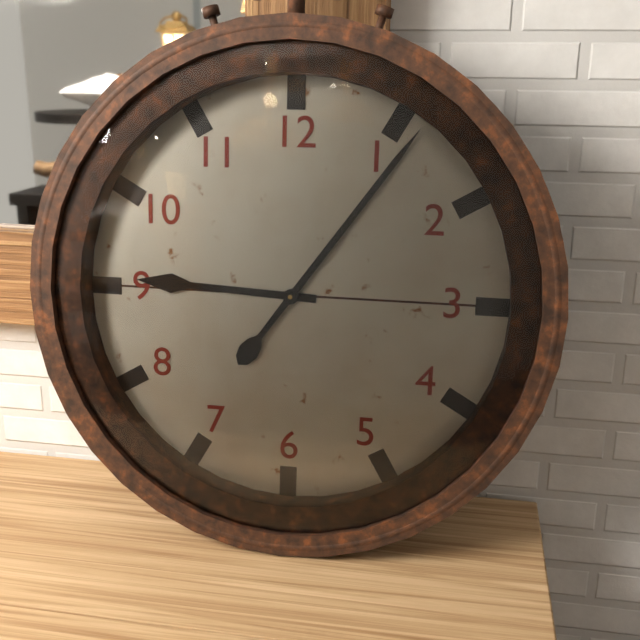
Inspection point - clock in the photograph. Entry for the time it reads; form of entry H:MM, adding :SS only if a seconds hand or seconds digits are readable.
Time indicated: 9:06
